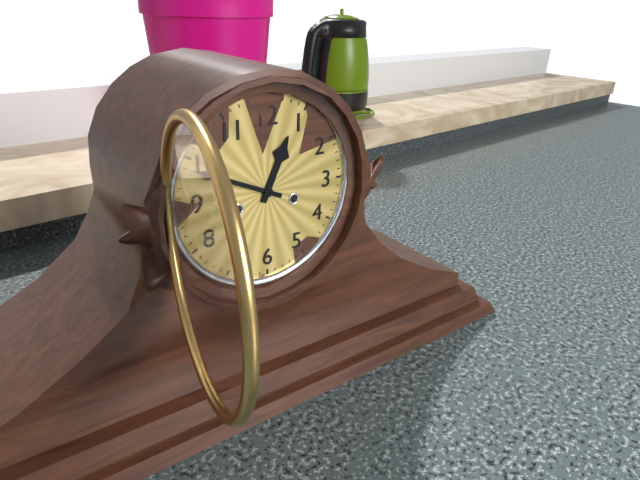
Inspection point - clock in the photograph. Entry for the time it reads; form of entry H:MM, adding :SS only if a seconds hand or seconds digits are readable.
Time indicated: 12:49
